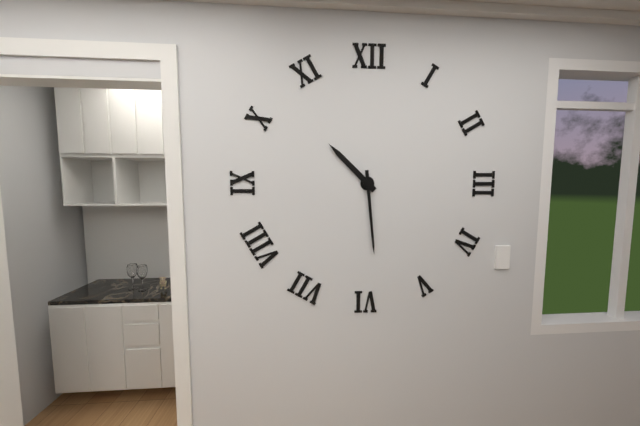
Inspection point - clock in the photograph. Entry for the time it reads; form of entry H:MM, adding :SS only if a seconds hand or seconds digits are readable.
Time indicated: 10:29
